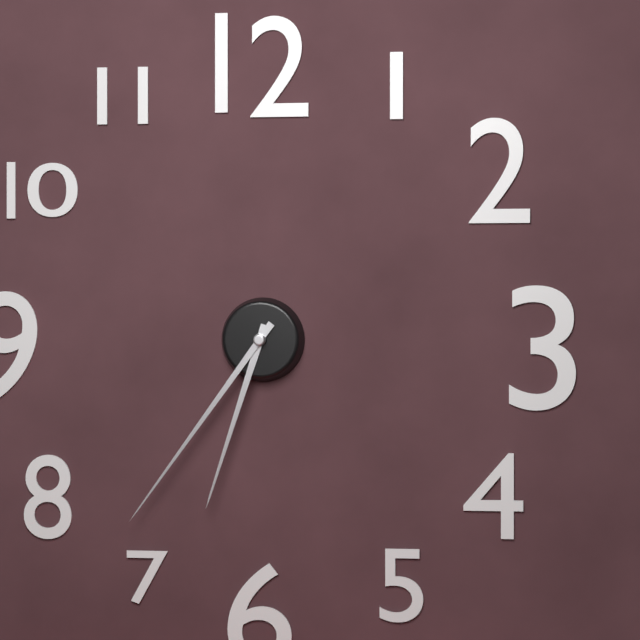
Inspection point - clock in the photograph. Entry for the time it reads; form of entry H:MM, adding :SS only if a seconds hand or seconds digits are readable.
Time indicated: 6:36
